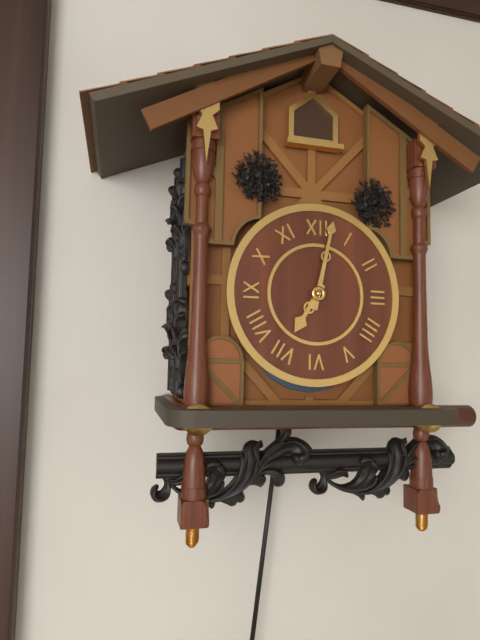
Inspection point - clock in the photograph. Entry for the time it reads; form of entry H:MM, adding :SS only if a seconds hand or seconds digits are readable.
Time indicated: 7:02
